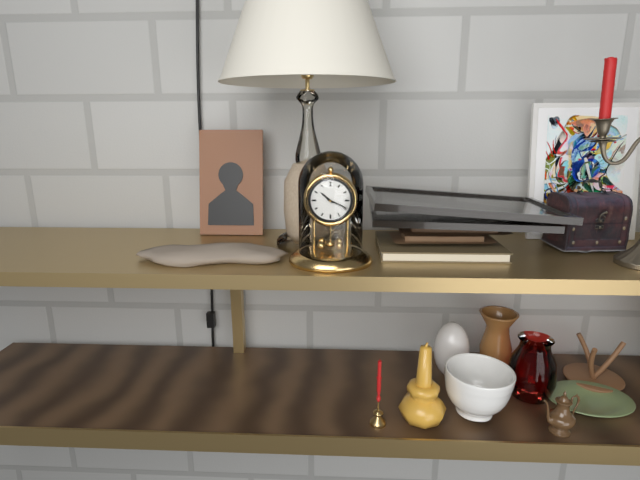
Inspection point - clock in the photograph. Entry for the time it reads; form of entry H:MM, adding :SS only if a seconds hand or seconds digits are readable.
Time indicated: 10:19
